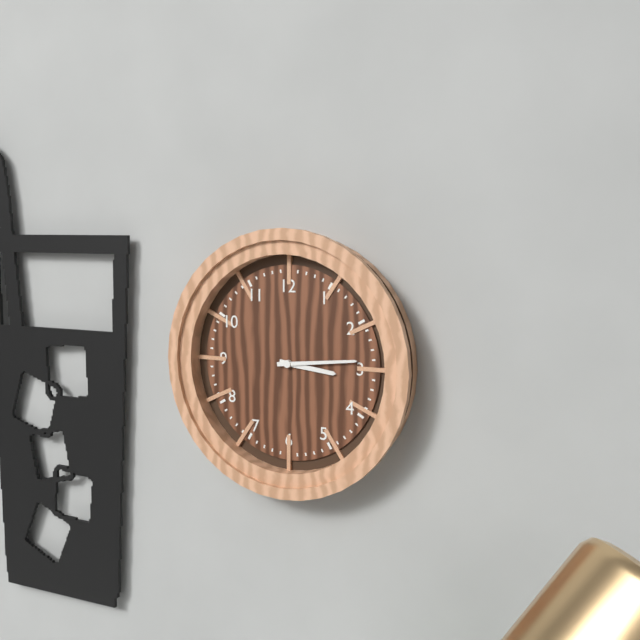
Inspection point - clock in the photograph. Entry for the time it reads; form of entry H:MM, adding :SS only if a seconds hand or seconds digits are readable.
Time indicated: 3:14
